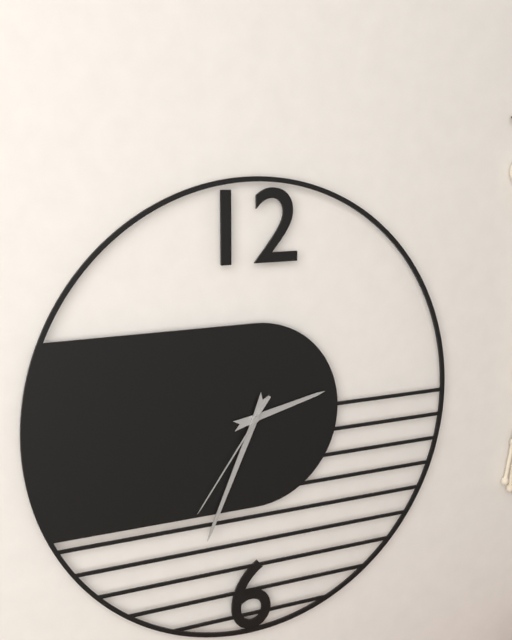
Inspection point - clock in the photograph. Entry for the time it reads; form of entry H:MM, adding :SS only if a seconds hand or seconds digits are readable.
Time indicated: 2:34:36
